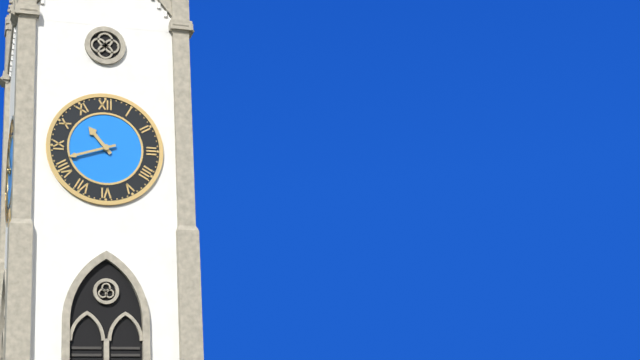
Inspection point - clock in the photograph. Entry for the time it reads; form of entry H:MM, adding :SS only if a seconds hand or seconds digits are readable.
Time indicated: 10:42
